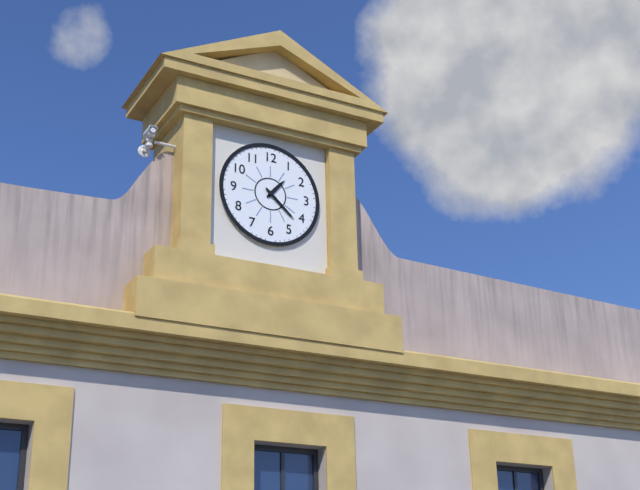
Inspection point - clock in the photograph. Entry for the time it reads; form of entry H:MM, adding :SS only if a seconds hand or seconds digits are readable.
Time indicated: 1:22
